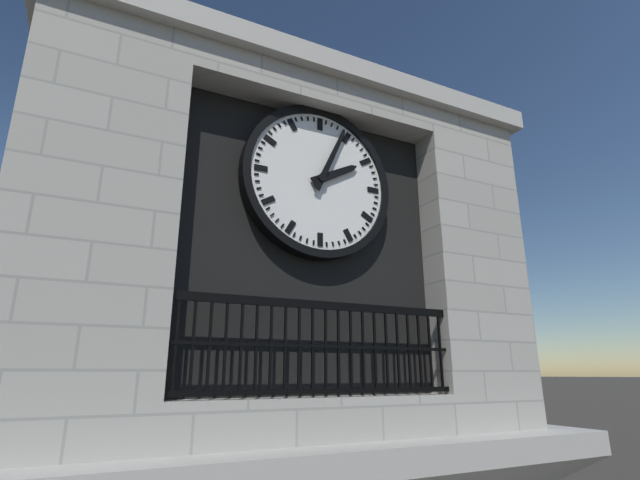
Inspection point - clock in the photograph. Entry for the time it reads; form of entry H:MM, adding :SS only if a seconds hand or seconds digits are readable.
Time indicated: 2:04
